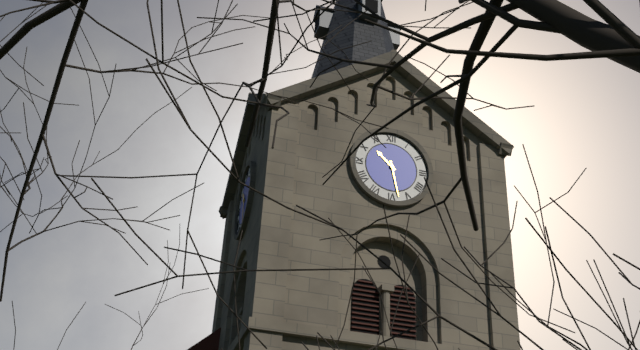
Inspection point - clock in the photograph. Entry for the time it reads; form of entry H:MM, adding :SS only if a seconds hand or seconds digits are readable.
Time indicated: 10:28
